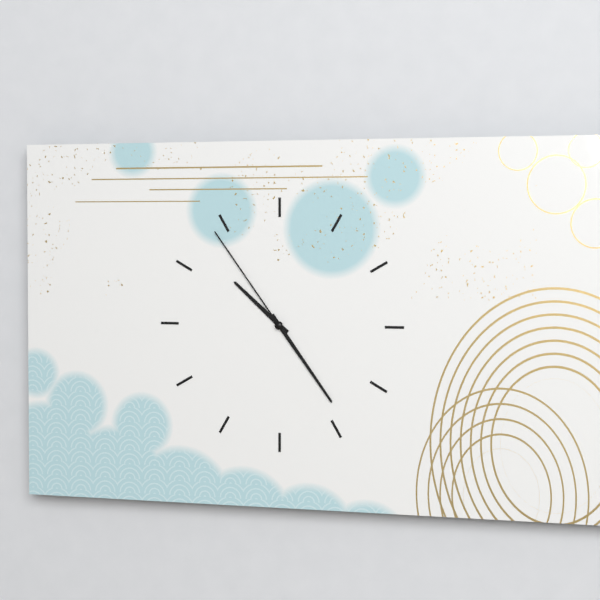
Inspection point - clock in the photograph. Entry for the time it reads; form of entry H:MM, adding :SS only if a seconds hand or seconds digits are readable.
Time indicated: 10:24:54
